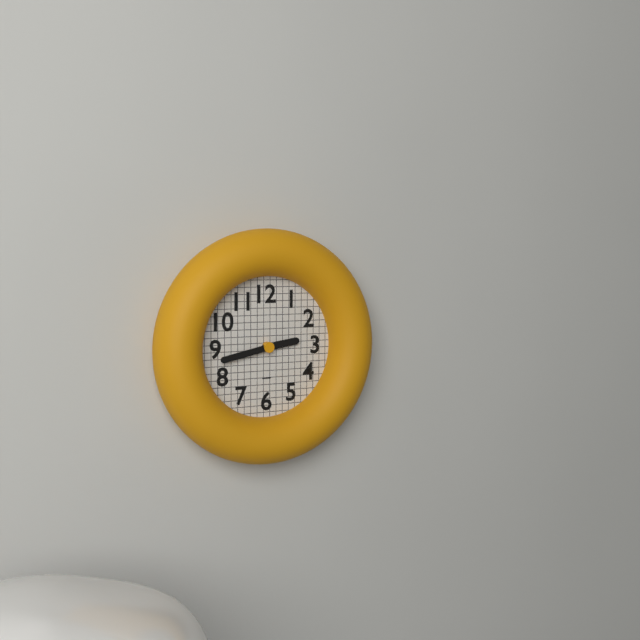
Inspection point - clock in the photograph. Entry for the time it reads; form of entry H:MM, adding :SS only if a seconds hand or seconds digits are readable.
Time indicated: 2:43
